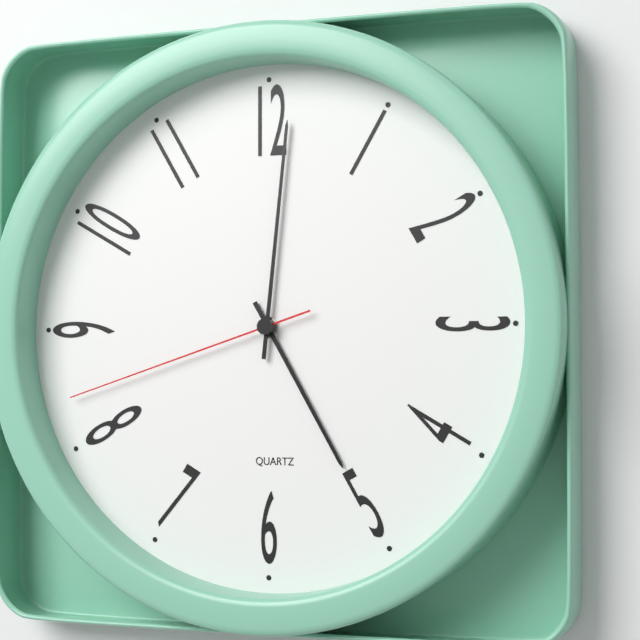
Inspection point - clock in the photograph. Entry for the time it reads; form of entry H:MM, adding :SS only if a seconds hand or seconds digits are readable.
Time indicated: 5:01:42
